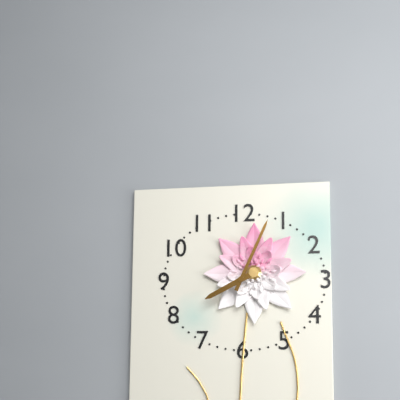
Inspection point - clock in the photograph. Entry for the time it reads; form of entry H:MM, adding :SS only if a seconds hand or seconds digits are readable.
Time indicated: 8:04
